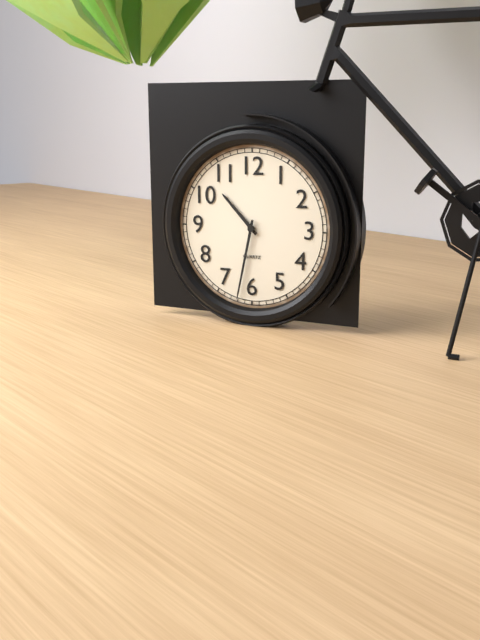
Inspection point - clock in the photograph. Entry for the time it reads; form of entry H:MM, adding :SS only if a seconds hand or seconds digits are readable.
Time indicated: 10:32
